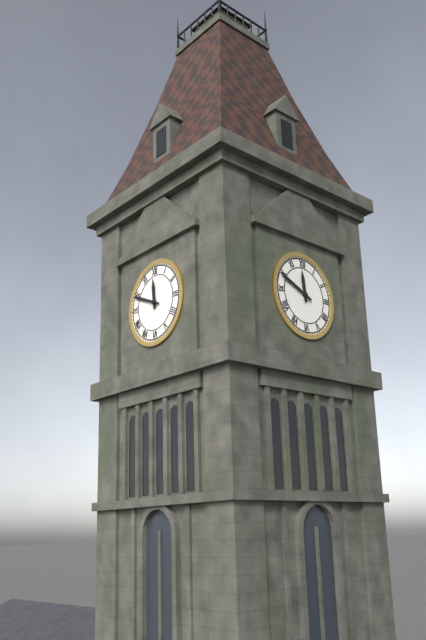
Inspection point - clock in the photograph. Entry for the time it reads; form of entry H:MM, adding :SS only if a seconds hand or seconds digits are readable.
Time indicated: 11:49
